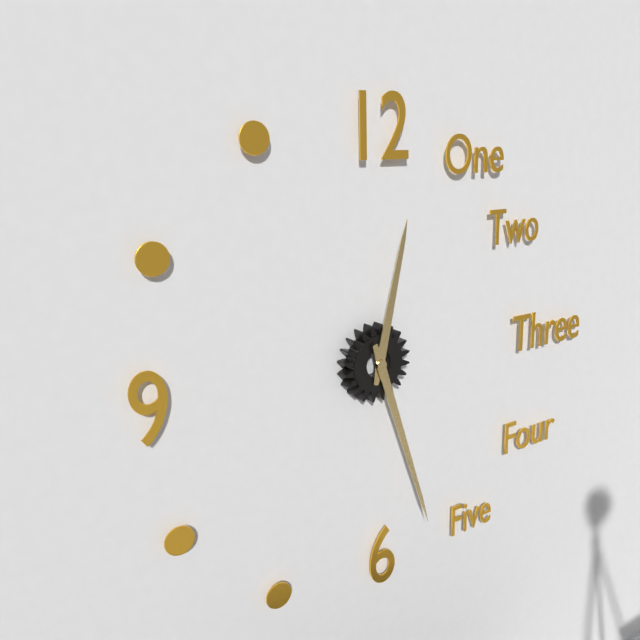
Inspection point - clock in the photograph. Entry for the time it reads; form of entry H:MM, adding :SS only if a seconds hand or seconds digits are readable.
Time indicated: 12:27
